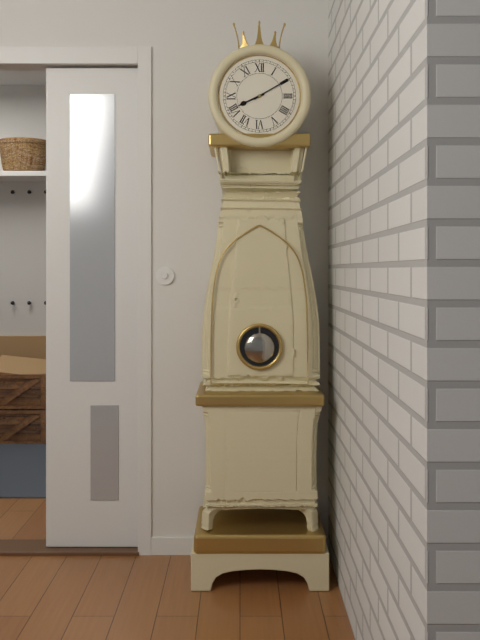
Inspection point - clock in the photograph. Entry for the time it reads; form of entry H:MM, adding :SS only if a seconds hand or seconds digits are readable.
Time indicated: 8:10
